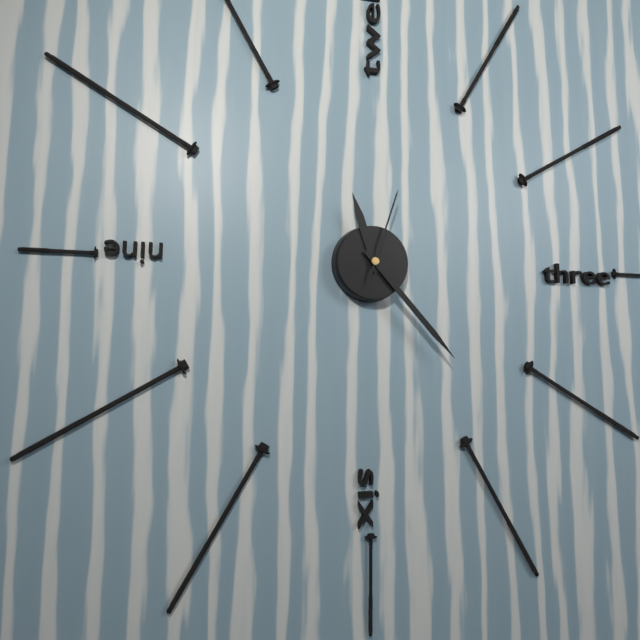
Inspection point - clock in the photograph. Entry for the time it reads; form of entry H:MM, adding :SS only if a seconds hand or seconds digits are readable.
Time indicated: 11:23:03
